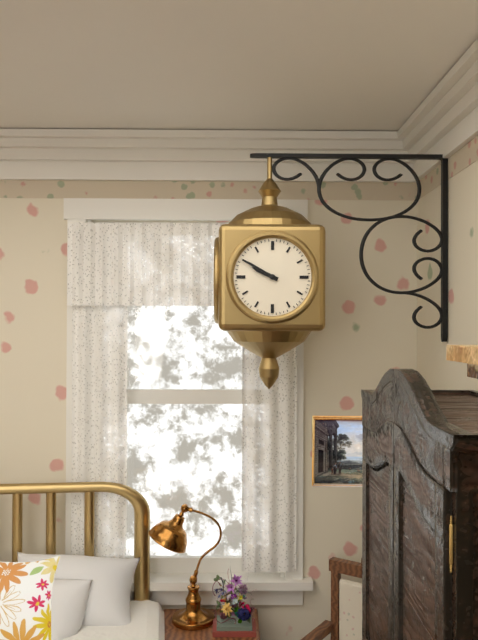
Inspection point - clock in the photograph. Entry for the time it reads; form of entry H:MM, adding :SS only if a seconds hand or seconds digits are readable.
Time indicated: 9:50
